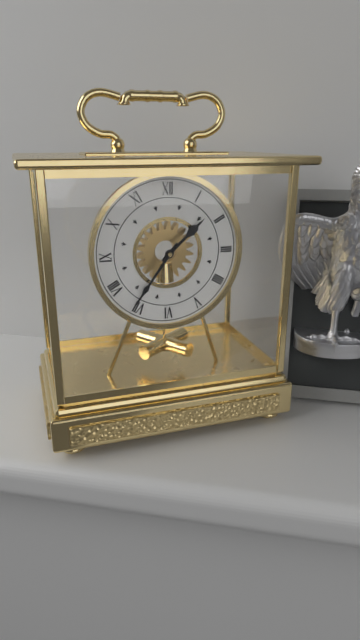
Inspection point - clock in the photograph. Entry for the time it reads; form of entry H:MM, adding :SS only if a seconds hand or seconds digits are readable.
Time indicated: 1:36
